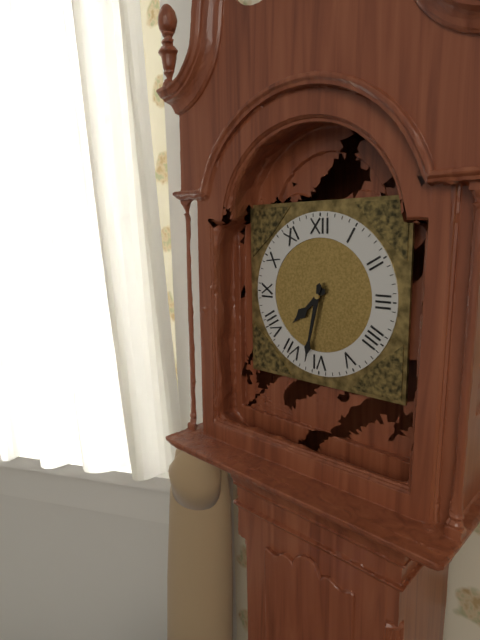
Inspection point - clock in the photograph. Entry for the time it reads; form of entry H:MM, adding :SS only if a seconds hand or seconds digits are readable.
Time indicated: 7:32
